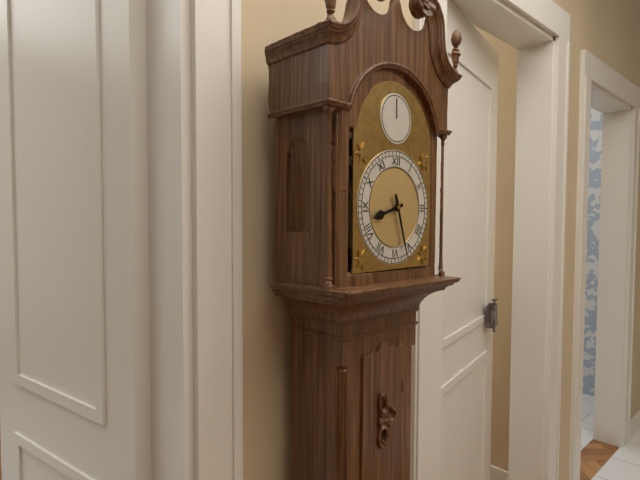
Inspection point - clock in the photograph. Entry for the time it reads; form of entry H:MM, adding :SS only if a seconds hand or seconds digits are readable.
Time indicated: 8:27
